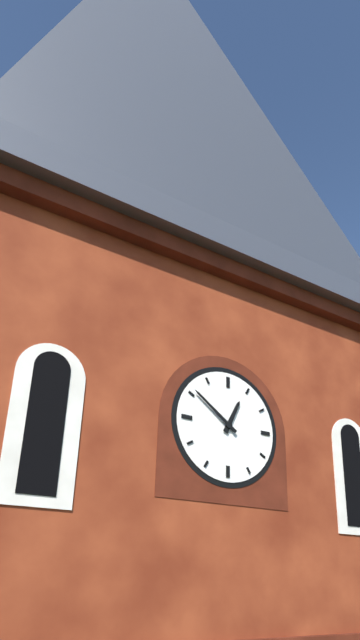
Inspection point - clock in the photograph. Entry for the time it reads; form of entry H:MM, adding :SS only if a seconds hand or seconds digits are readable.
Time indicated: 12:51
